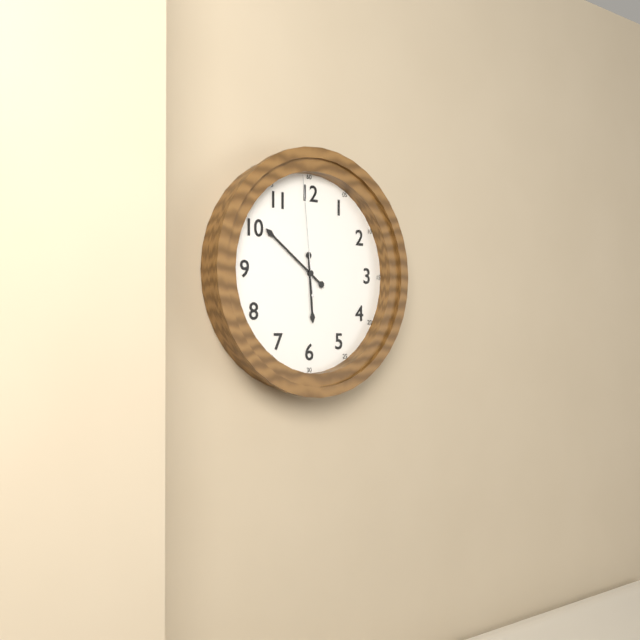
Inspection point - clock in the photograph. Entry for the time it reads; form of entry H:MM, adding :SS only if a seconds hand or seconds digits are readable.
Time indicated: 5:51:59
